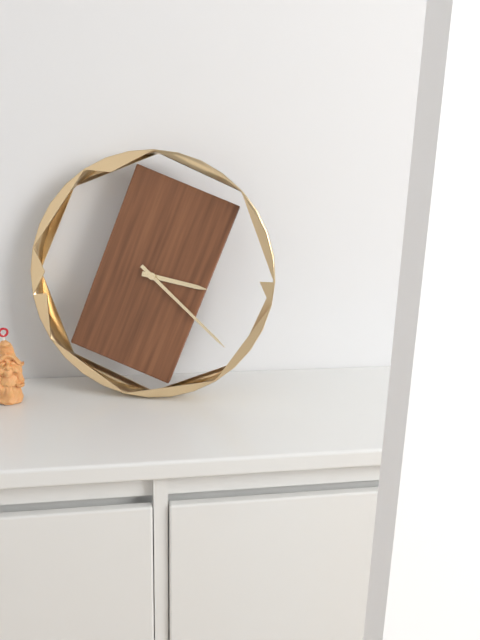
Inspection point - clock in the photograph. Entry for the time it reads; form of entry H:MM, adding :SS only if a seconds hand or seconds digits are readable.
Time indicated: 3:22
